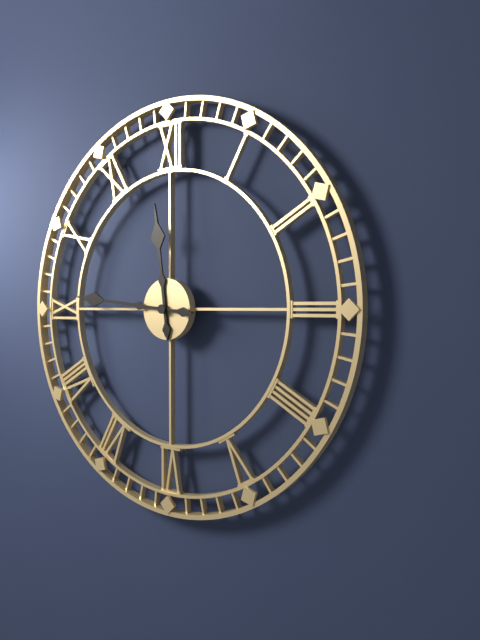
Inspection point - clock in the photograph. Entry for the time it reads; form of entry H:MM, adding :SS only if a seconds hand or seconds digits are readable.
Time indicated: 11:46
